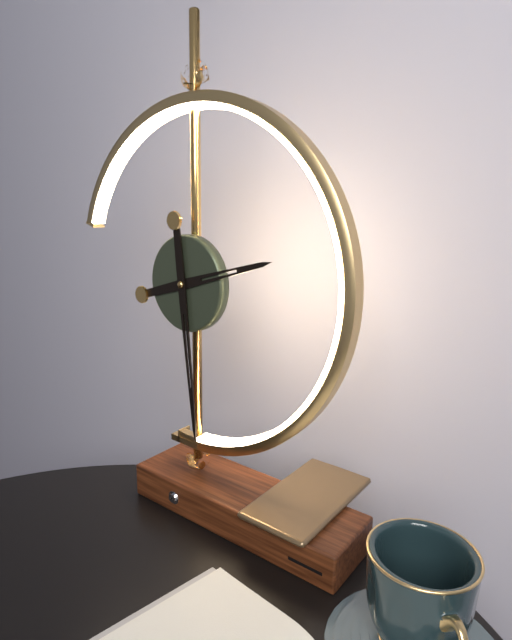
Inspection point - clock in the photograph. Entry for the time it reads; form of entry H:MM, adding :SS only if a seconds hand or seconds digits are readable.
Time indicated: 2:29
